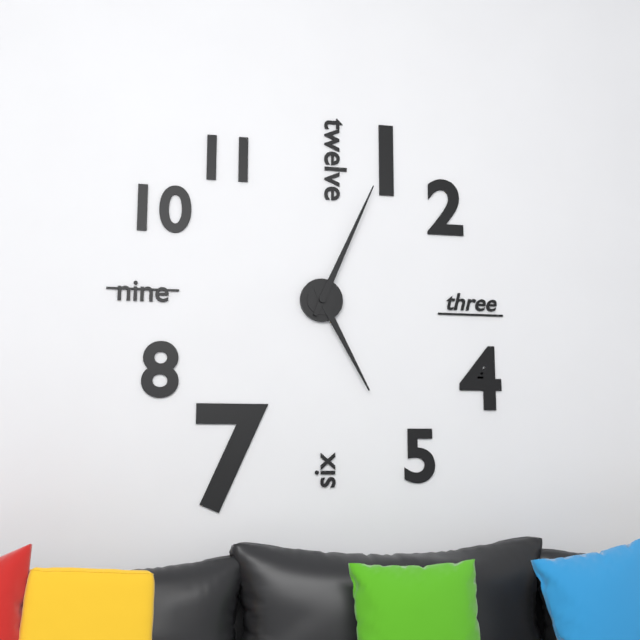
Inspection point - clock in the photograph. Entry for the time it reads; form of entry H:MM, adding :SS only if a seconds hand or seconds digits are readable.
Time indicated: 5:04
